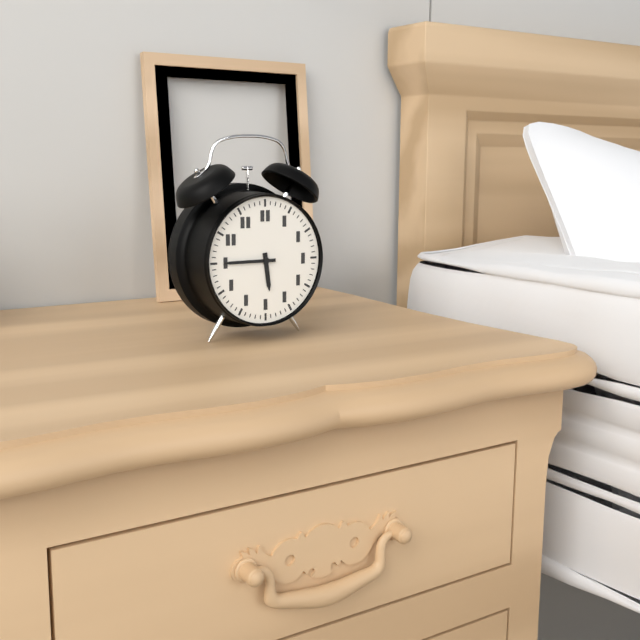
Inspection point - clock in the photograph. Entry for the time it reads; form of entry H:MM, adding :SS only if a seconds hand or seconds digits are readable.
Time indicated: 5:45
